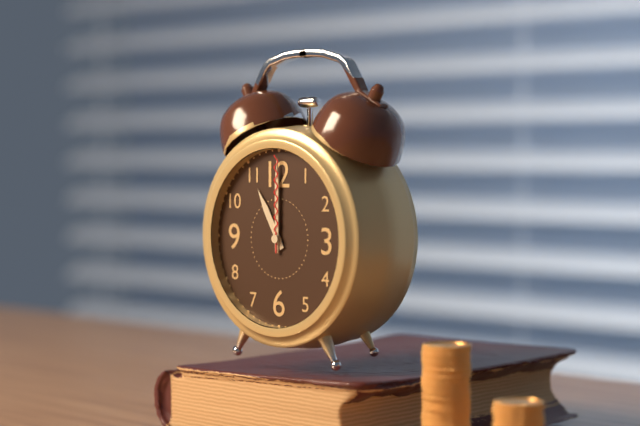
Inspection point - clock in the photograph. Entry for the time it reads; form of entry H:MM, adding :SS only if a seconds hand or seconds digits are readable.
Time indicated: 11:00:00
